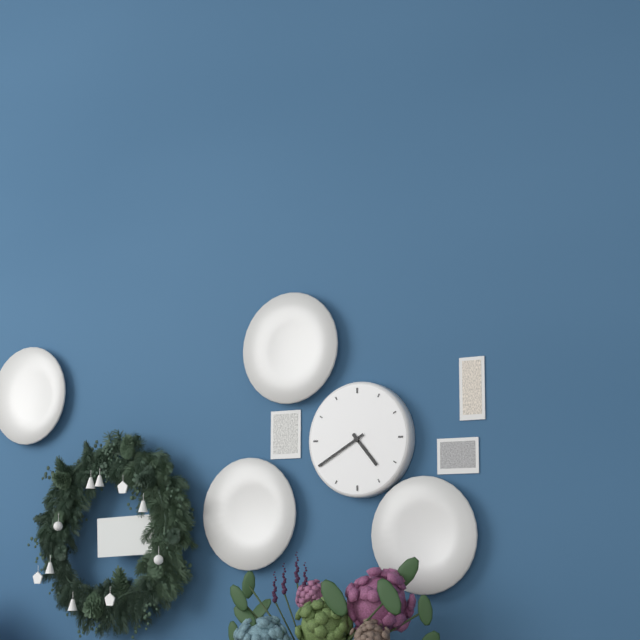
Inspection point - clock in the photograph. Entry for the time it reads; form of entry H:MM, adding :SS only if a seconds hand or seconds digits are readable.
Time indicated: 4:40
